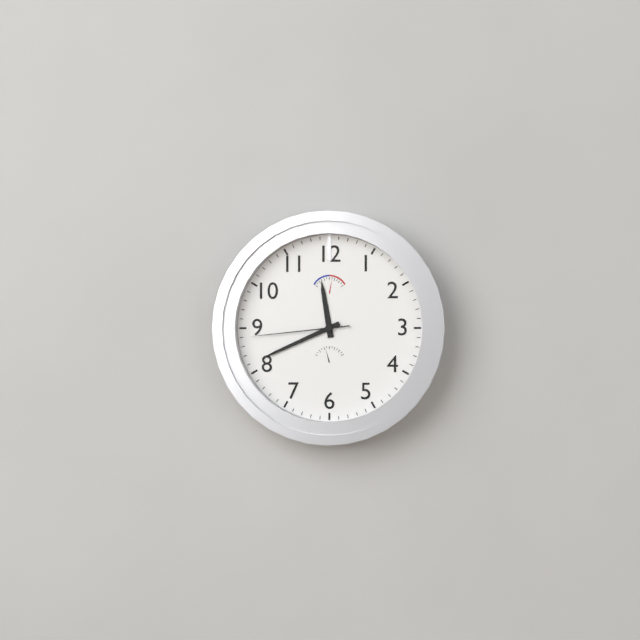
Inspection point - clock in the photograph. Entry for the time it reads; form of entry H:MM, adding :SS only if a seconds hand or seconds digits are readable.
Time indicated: 11:41:44
